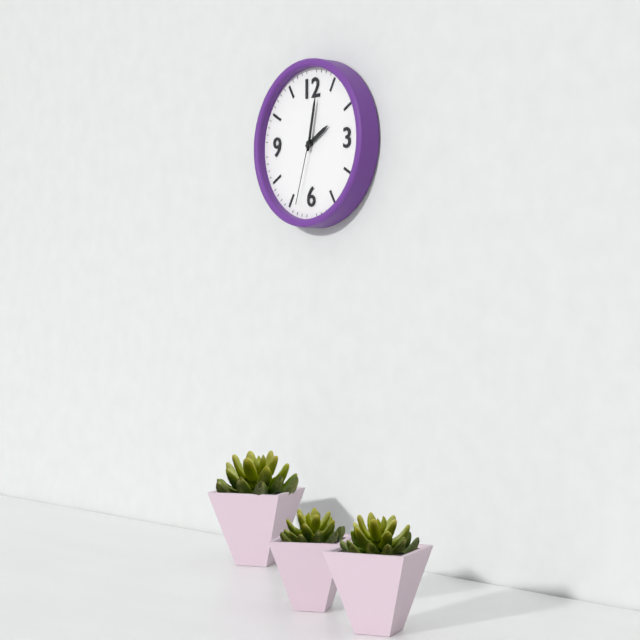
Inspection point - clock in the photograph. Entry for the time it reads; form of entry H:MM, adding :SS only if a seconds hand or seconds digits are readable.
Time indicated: 2:02:33
